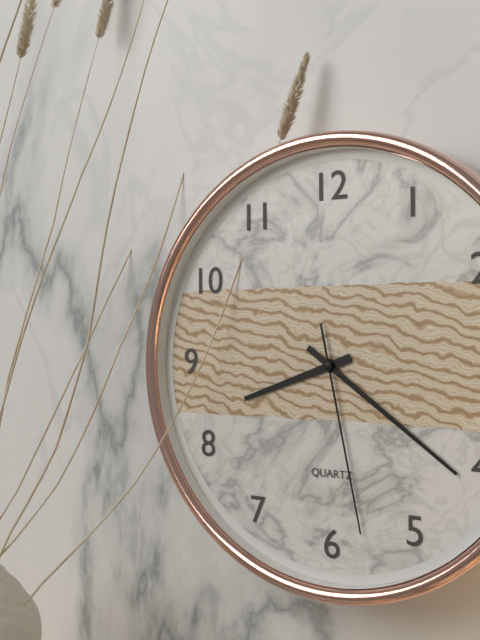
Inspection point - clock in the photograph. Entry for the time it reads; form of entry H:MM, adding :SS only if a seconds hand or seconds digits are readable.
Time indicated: 8:21:28
